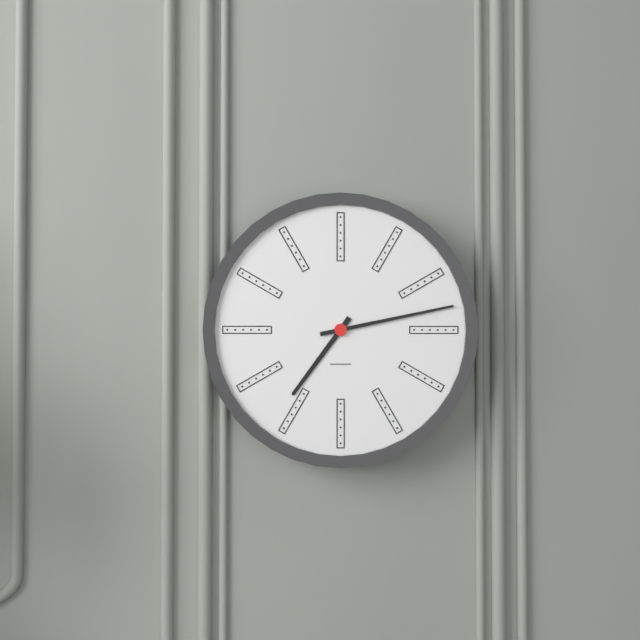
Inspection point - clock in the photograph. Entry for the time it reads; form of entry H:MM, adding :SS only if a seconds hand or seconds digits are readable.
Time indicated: 7:13
